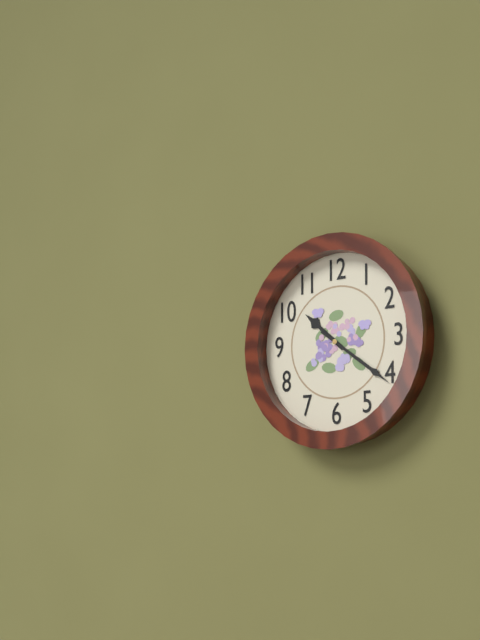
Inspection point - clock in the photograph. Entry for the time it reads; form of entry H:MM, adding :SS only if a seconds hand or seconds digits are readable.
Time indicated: 10:21
